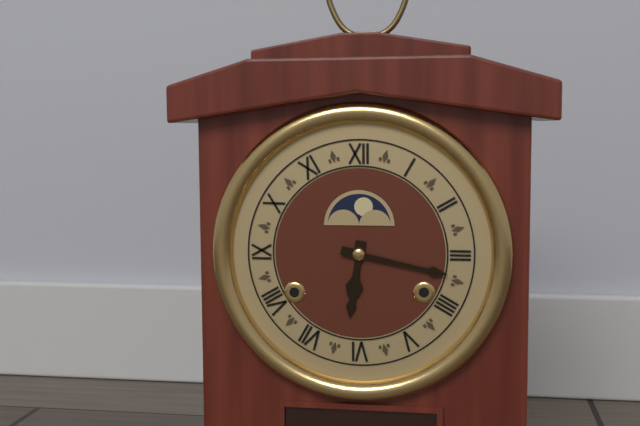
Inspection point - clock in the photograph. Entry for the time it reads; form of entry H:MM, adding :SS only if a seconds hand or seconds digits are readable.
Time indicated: 6:17
